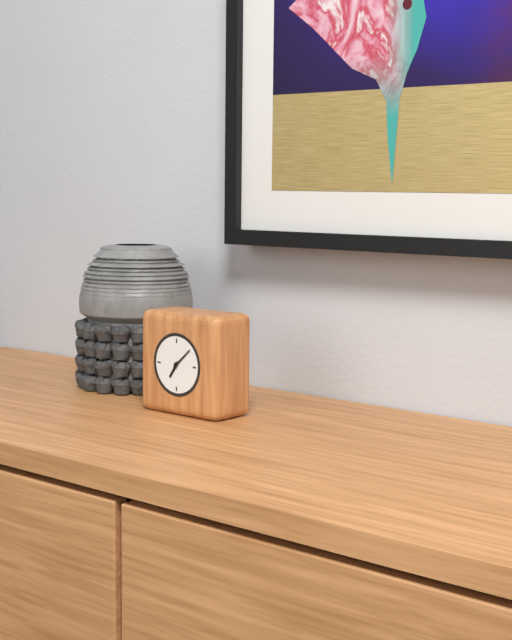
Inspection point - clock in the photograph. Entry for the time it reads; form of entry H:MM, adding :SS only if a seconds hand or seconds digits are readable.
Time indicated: 7:08
